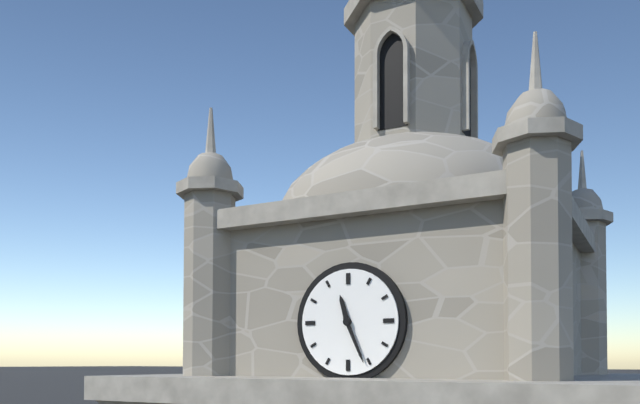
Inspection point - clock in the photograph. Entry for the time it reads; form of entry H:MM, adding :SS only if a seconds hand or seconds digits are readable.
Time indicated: 11:26
